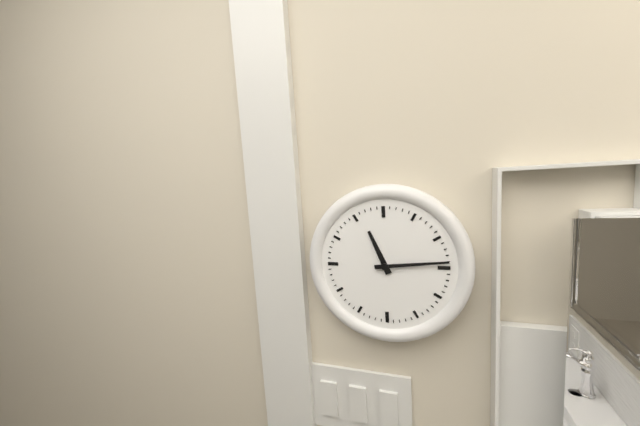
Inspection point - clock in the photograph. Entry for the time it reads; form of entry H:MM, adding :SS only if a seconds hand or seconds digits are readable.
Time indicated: 11:14
